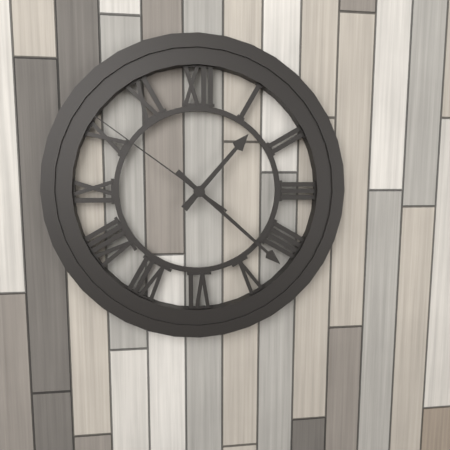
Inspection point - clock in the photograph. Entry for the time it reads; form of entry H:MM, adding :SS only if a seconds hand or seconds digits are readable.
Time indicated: 1:22:51
